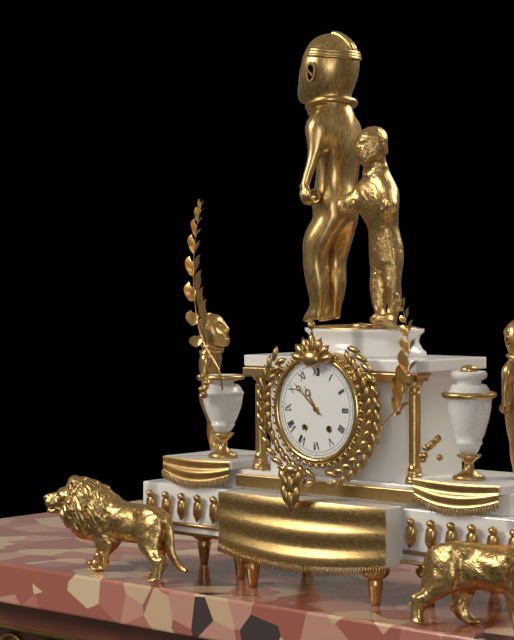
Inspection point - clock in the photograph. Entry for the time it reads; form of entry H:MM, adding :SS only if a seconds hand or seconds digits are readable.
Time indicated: 10:52
